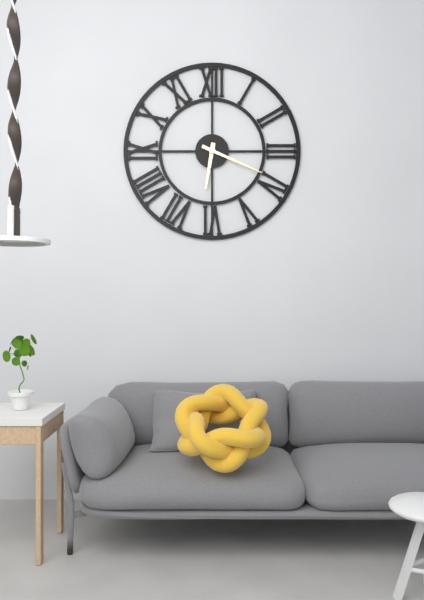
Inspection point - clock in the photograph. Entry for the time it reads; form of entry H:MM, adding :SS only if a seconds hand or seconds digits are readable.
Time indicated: 6:19
